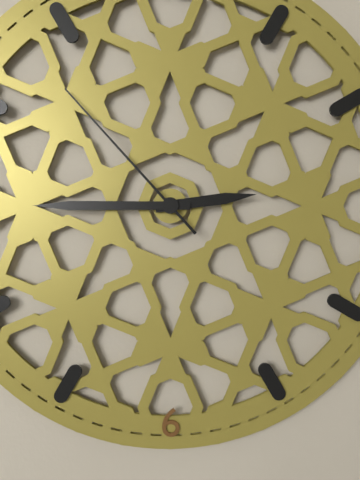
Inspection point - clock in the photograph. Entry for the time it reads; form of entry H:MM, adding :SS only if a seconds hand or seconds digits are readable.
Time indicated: 2:45:53
